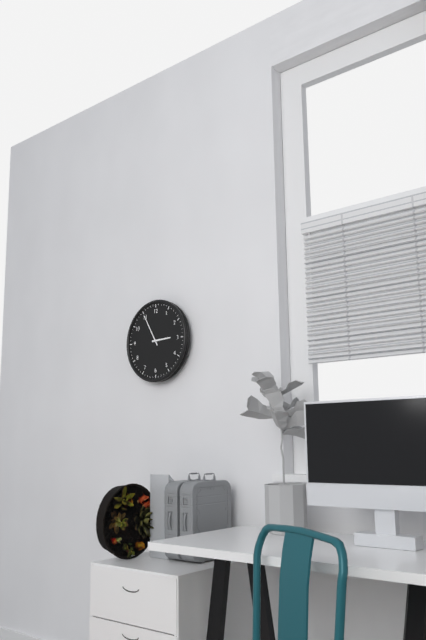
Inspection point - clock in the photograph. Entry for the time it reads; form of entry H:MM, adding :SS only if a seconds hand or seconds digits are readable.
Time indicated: 2:55
